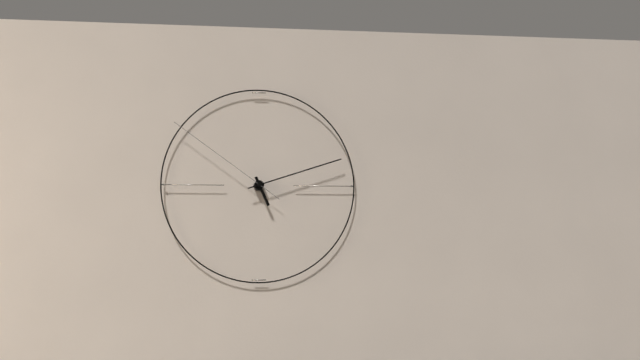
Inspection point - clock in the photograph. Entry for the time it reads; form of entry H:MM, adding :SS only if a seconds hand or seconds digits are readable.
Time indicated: 5:12:51
